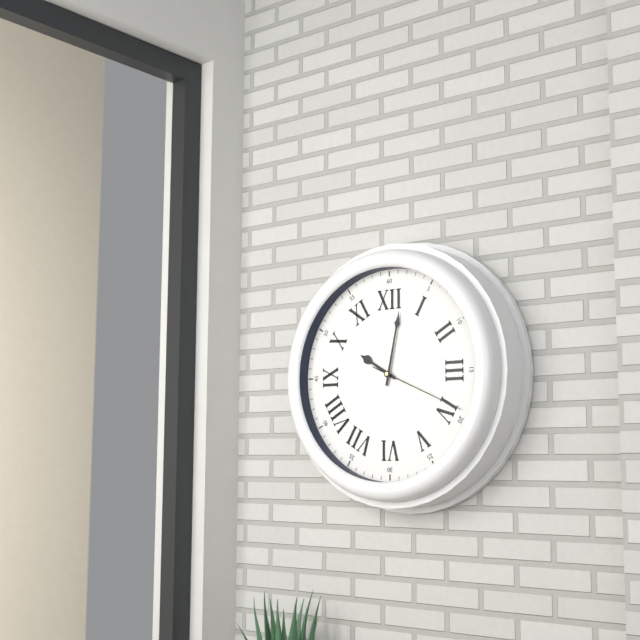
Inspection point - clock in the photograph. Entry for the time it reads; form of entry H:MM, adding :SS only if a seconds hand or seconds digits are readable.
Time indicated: 10:02:19
